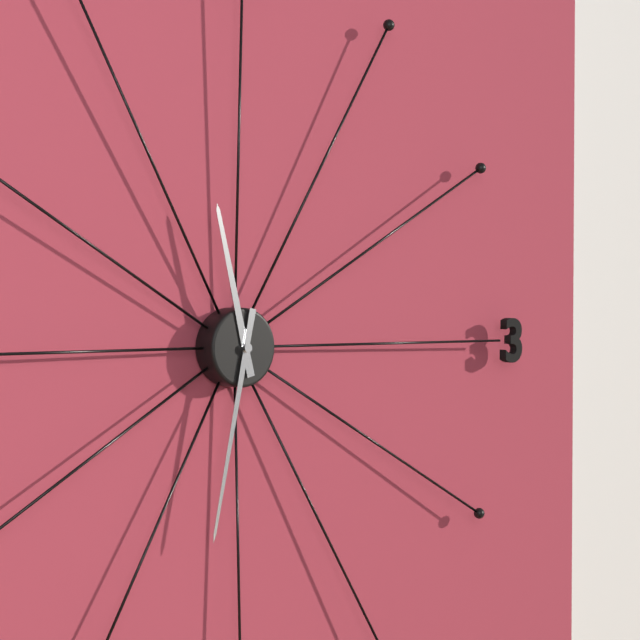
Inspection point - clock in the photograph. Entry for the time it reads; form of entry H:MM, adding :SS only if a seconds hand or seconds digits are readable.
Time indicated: 11:32
